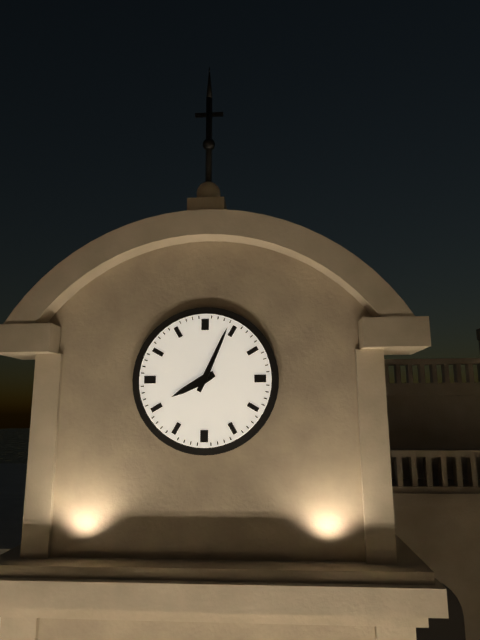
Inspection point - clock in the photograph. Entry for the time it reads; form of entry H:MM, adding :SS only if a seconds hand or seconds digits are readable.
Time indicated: 8:04
